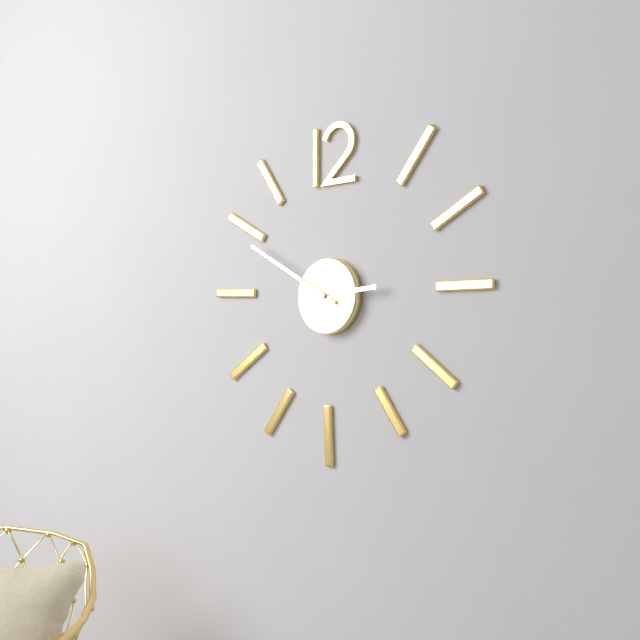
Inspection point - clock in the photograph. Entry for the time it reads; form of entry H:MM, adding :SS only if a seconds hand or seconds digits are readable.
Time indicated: 2:50
